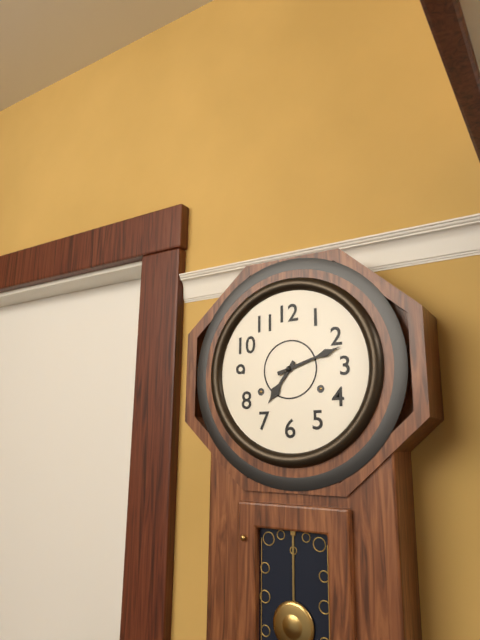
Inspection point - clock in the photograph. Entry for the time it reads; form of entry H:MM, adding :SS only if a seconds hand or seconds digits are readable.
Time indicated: 7:12
